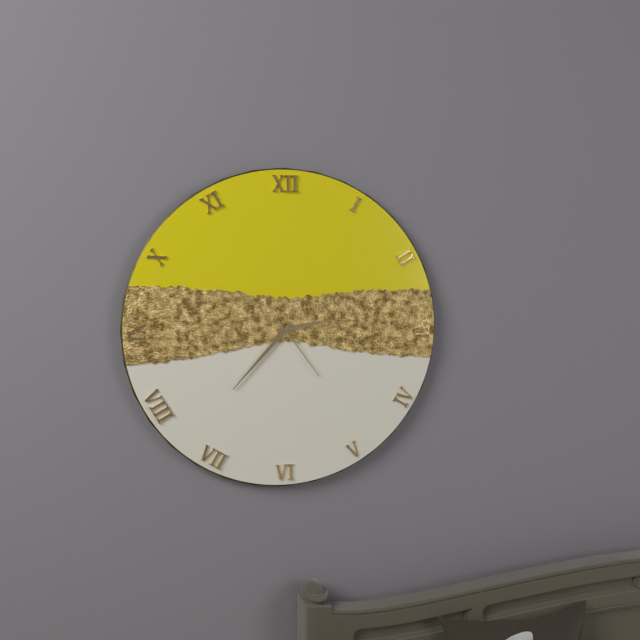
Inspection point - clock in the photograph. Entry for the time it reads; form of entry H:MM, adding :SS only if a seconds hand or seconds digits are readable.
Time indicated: 2:37:24
